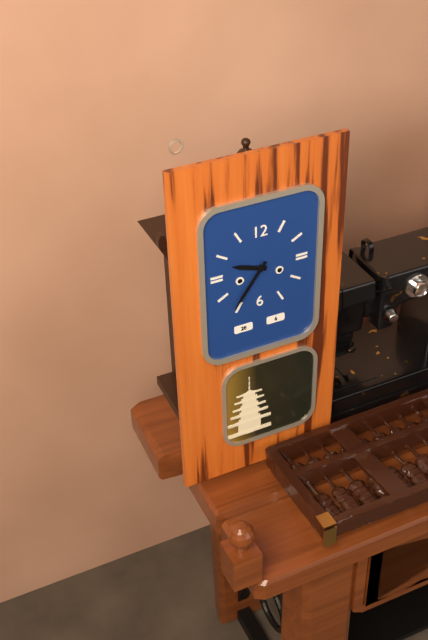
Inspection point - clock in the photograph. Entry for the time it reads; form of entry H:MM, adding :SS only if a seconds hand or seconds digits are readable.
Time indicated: 9:36
